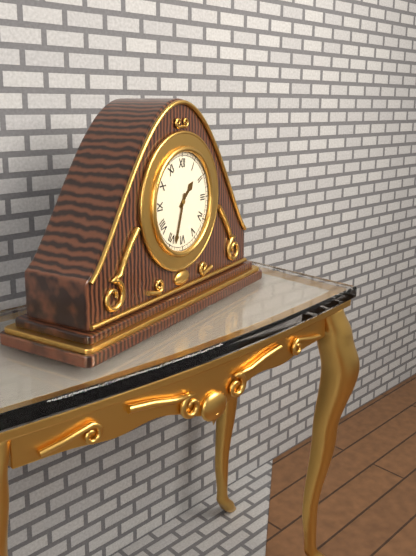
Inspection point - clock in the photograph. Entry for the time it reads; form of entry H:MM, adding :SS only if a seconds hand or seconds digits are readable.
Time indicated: 1:33
